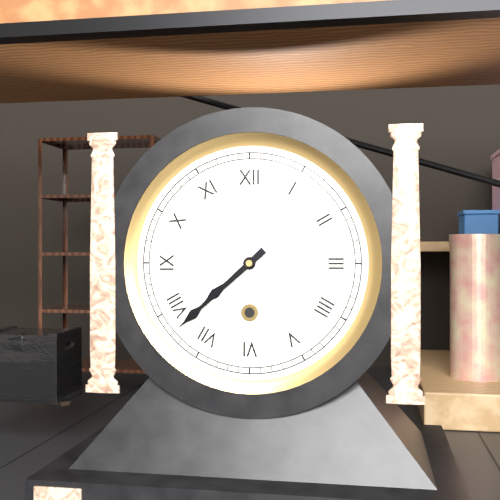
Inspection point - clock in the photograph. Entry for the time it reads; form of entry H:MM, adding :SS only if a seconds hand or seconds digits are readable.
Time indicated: 7:38
